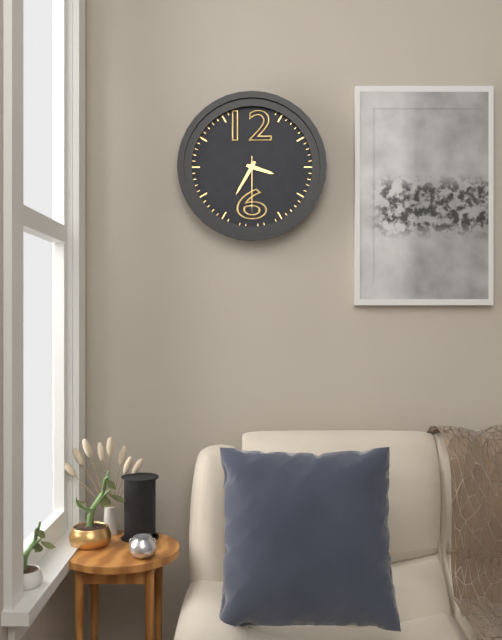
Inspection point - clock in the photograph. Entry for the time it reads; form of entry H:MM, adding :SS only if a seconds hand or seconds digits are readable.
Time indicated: 3:35:30
